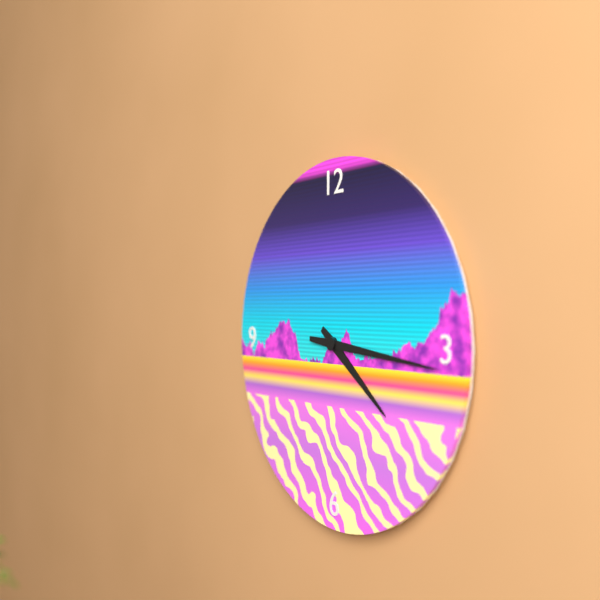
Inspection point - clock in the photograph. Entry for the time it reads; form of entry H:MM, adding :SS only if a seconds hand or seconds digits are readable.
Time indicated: 4:16
